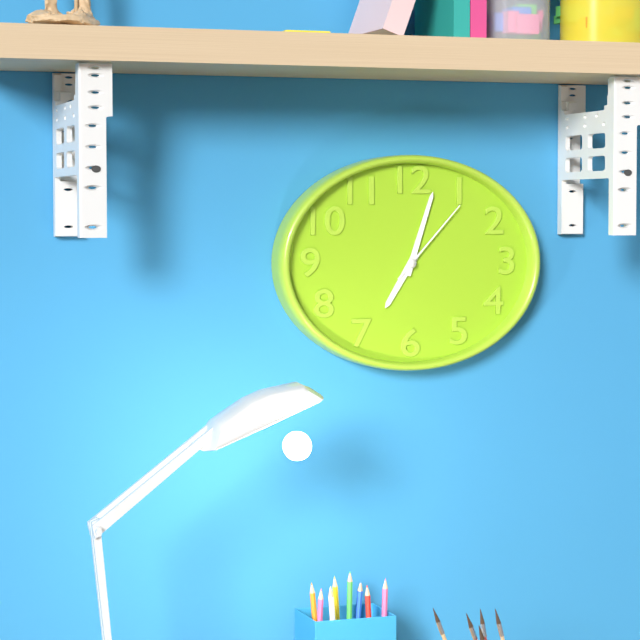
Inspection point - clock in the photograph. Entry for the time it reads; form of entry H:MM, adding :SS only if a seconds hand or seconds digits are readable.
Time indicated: 7:03:07
